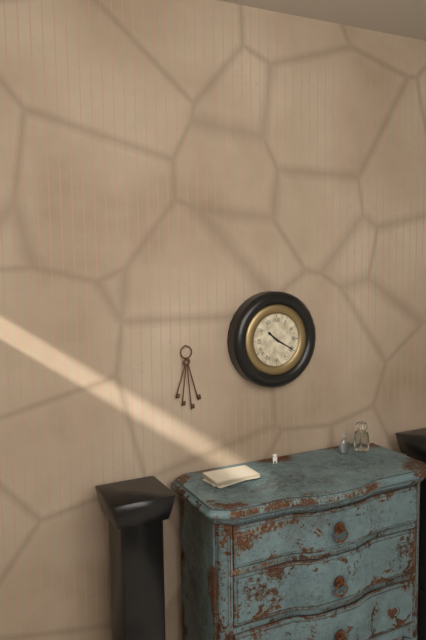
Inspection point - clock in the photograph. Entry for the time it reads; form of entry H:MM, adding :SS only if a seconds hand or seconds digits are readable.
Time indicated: 10:20
